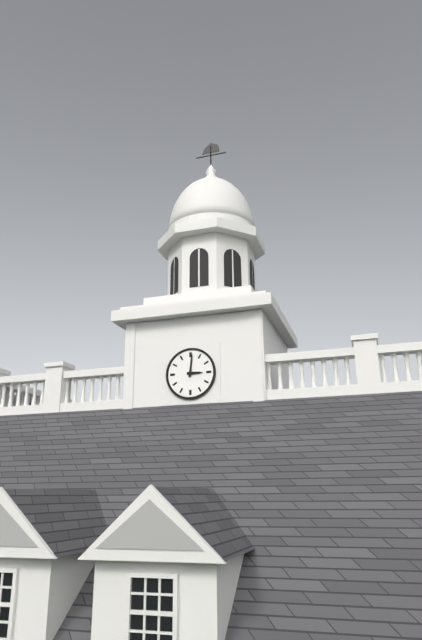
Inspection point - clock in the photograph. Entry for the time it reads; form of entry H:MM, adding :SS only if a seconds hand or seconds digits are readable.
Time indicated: 3:01
